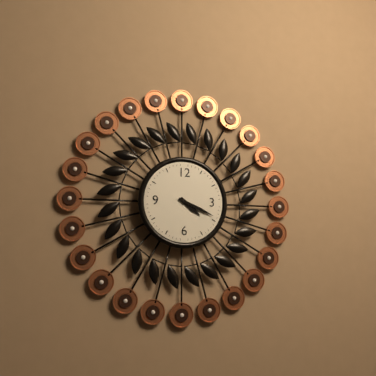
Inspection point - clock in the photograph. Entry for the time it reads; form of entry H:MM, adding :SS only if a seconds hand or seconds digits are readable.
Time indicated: 4:19
